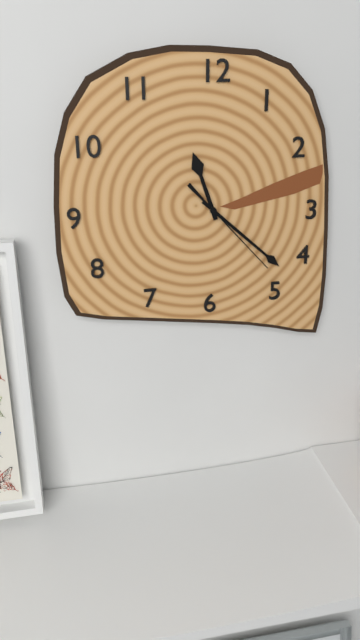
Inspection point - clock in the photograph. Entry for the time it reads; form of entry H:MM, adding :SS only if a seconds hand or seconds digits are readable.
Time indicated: 11:22:23
